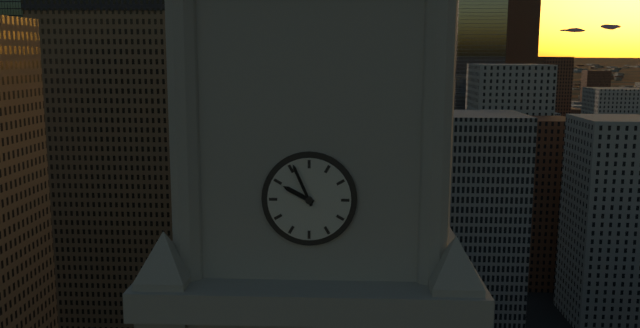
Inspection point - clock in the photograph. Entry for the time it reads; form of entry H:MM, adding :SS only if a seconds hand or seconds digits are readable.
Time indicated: 9:56
